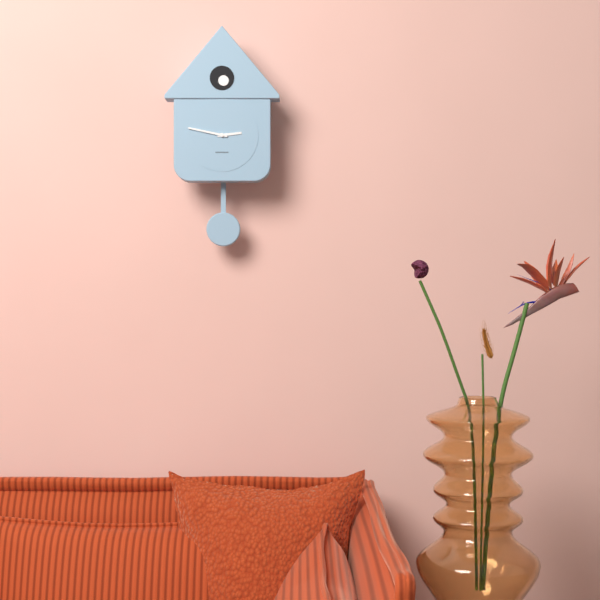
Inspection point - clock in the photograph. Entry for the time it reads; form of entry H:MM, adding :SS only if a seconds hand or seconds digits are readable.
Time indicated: 2:47
